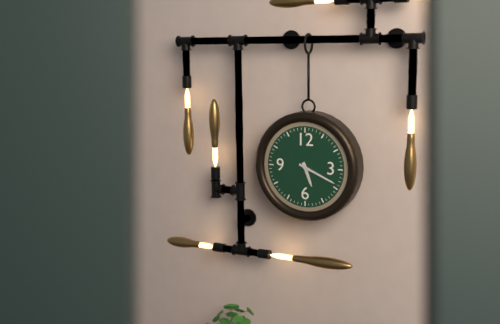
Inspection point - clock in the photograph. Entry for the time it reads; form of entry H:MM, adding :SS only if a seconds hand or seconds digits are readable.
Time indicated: 5:19
